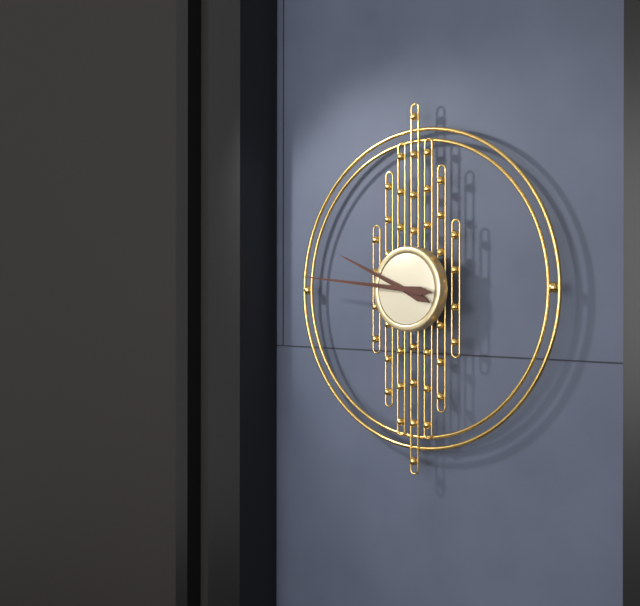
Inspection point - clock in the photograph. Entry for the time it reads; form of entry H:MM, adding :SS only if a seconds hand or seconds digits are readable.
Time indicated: 9:46
